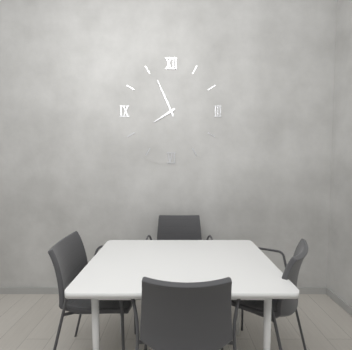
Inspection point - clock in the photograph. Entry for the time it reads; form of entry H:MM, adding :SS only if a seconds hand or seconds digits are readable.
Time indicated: 7:56
